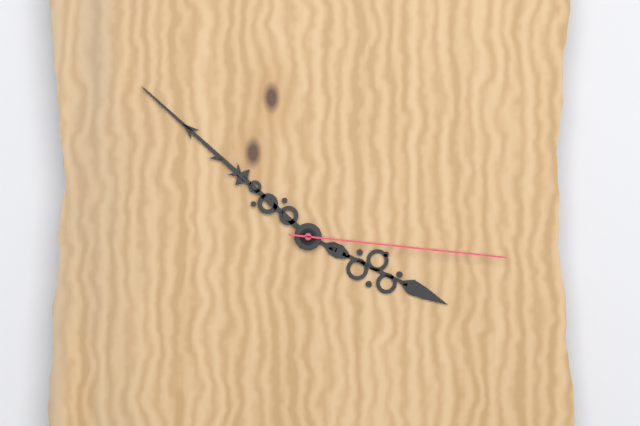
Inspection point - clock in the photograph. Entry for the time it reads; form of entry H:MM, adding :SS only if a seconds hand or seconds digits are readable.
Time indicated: 3:52:16
